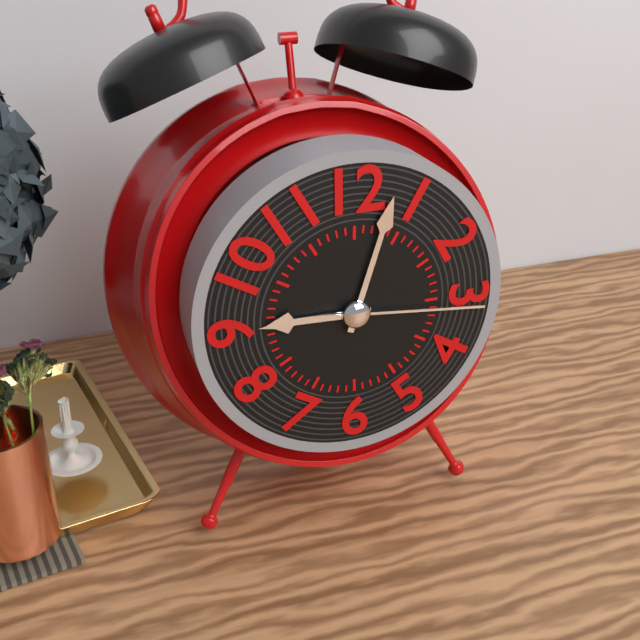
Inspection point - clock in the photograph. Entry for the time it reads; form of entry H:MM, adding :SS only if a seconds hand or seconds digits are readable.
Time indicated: 9:03:16
